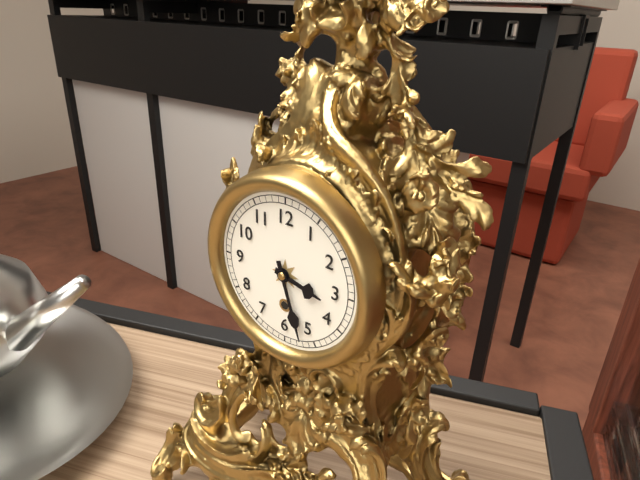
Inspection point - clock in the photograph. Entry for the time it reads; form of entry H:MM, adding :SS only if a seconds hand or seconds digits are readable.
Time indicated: 3:27
